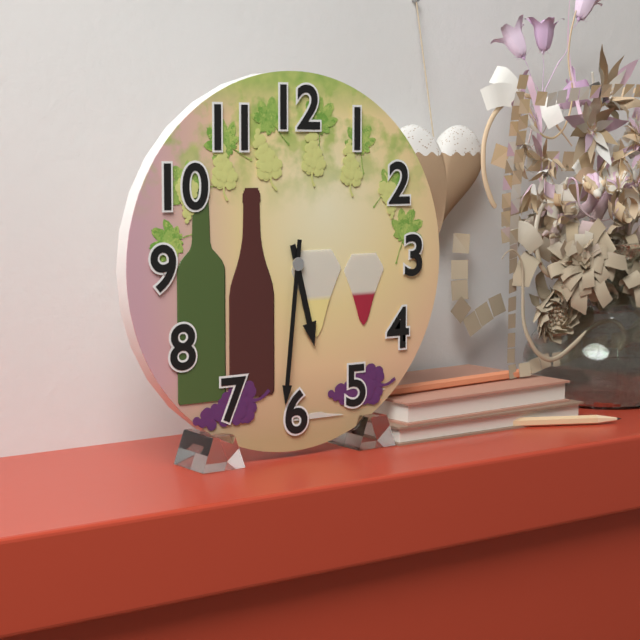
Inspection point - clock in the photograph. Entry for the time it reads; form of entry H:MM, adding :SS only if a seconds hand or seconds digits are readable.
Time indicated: 5:31
